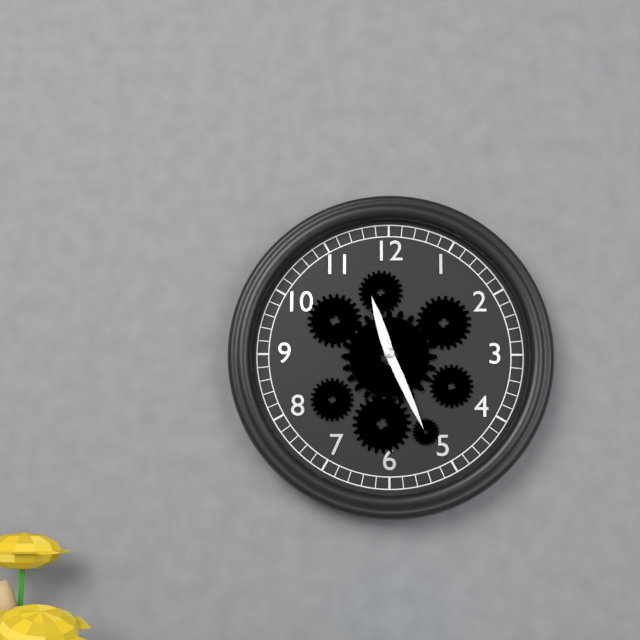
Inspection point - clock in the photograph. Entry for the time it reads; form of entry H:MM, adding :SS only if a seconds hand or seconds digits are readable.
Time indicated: 11:26
